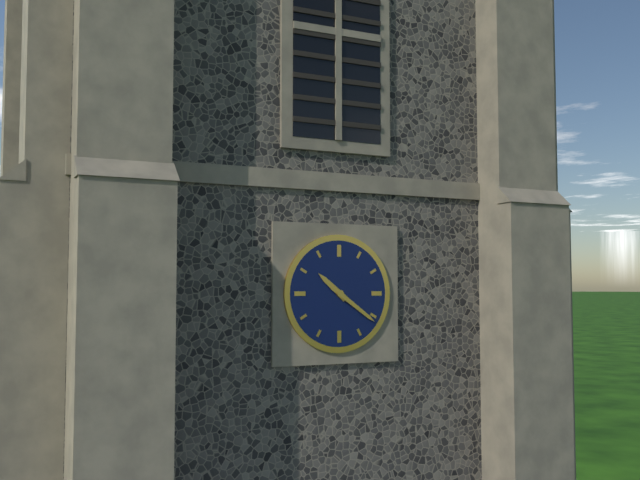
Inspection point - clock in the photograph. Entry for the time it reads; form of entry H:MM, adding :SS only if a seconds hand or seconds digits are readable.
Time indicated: 10:21
